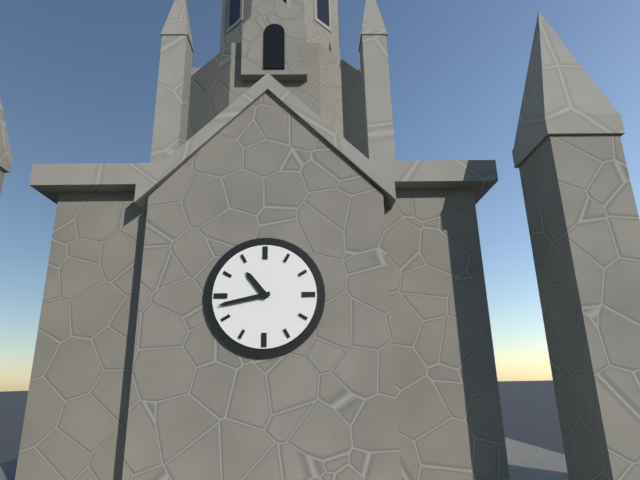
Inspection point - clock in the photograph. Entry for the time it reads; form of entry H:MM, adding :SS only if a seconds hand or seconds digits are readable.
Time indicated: 10:43
